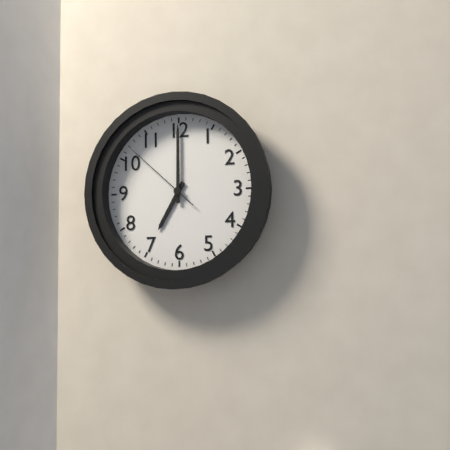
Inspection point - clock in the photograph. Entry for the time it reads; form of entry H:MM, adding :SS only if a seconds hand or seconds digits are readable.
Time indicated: 7:00:52
